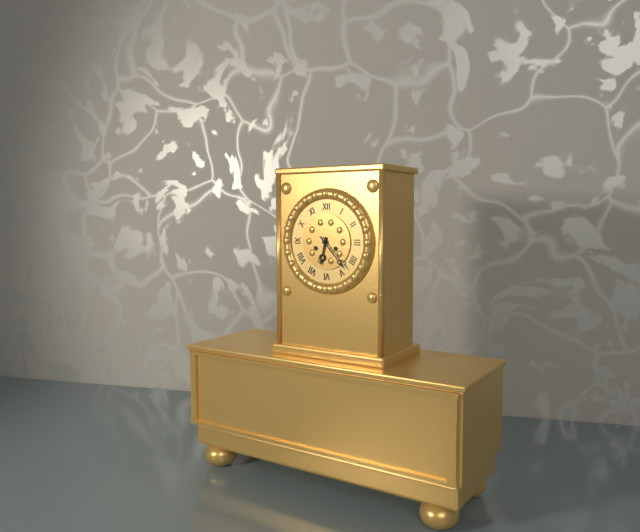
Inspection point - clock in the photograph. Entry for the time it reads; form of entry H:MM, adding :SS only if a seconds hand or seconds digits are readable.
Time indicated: 6:23
